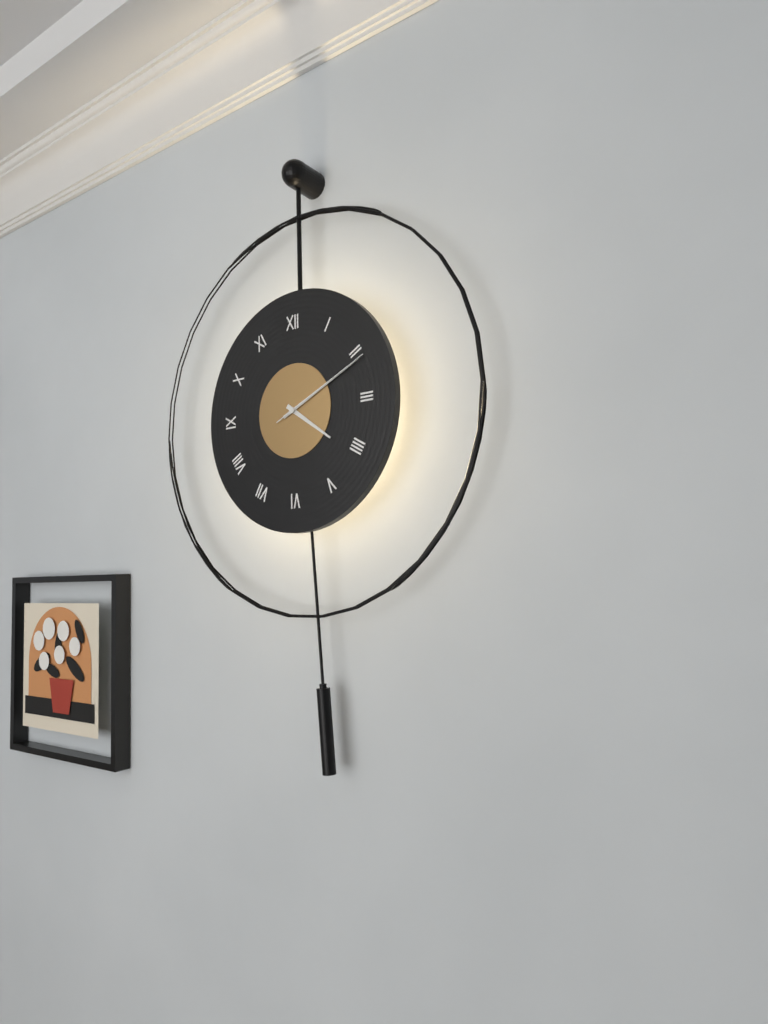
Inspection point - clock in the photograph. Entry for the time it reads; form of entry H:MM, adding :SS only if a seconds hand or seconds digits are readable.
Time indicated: 4:11:11
